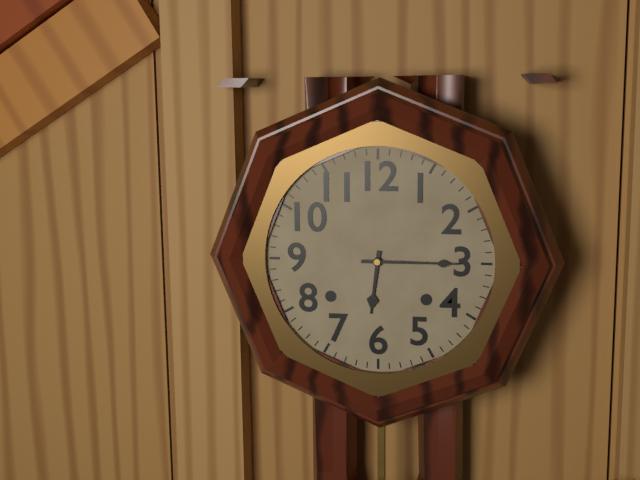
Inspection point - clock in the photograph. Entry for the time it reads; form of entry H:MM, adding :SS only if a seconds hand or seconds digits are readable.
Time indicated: 6:15
